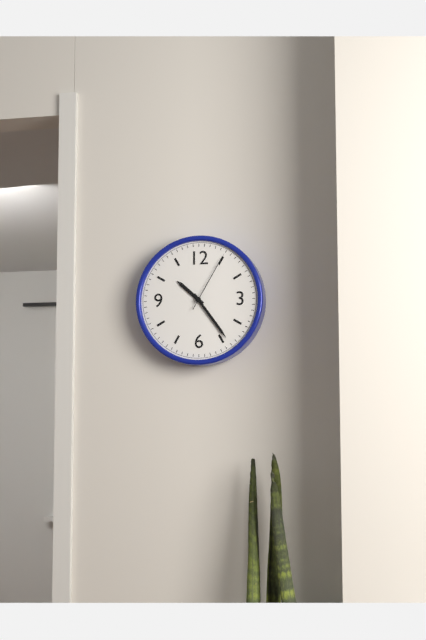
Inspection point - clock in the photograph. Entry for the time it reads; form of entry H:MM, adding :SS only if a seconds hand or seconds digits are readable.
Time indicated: 10:24:05
